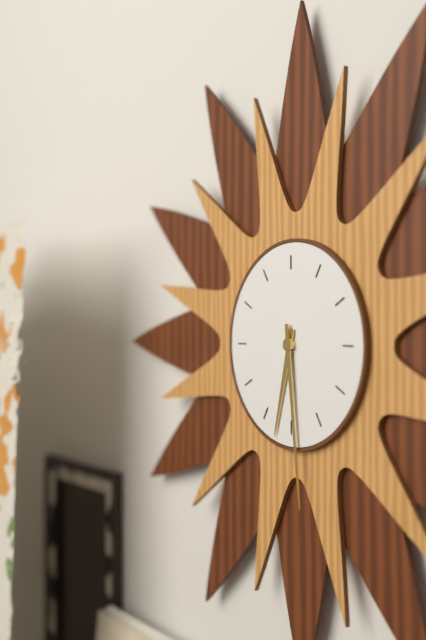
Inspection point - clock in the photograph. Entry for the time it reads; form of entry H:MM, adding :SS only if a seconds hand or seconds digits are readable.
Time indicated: 6:29
